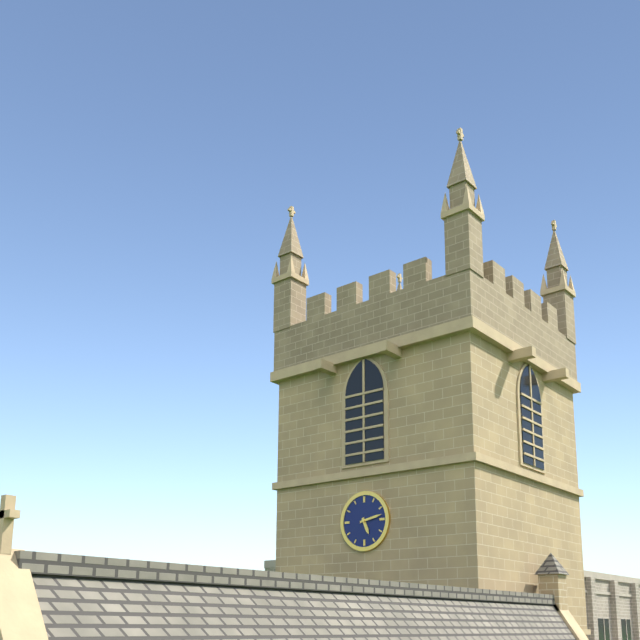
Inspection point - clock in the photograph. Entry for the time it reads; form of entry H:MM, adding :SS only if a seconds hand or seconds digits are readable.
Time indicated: 5:13
